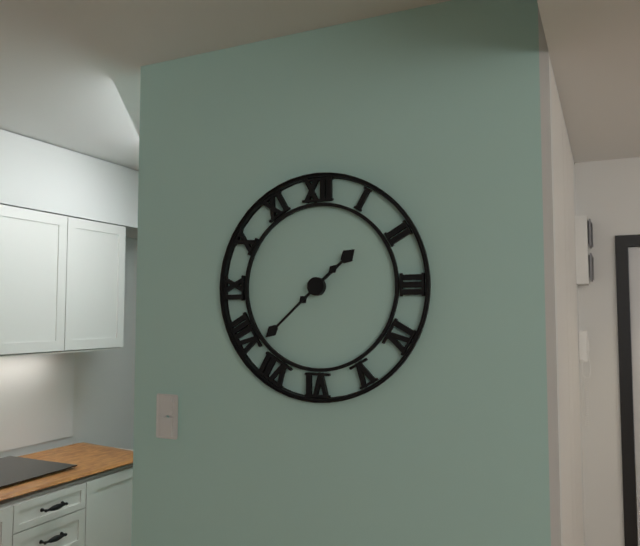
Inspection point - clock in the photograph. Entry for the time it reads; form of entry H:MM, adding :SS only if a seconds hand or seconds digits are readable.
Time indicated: 1:38
